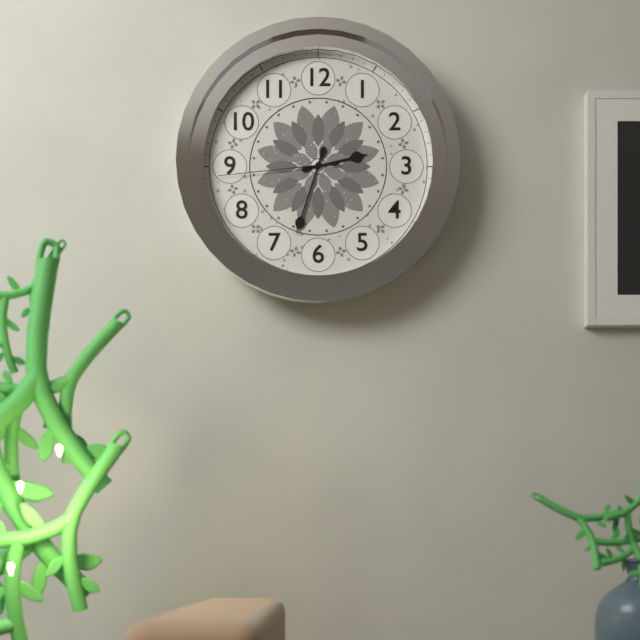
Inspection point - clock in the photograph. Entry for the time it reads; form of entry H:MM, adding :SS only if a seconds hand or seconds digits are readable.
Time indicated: 2:33:44
